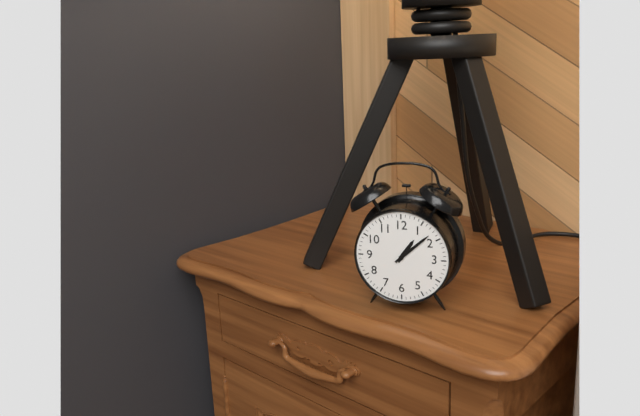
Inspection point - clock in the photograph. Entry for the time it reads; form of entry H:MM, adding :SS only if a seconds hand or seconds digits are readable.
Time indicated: 1:08
